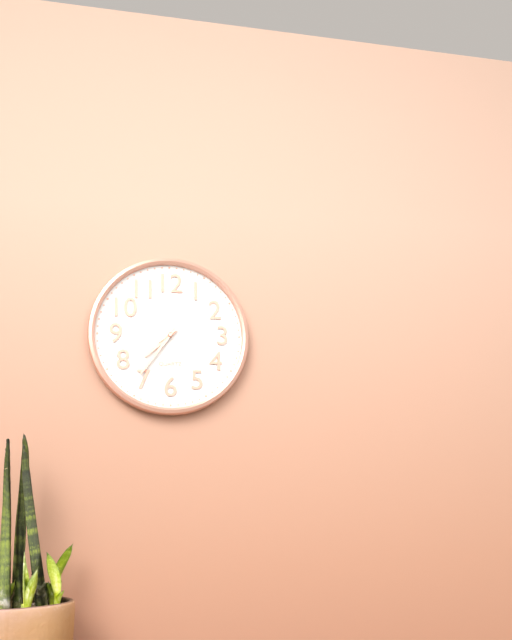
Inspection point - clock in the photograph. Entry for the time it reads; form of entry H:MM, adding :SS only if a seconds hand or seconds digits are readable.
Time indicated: 7:36:09
